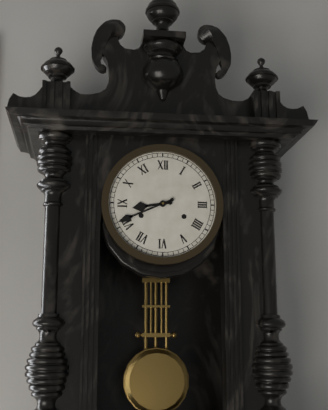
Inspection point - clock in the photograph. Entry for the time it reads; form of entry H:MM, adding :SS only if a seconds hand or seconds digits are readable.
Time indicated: 8:41
